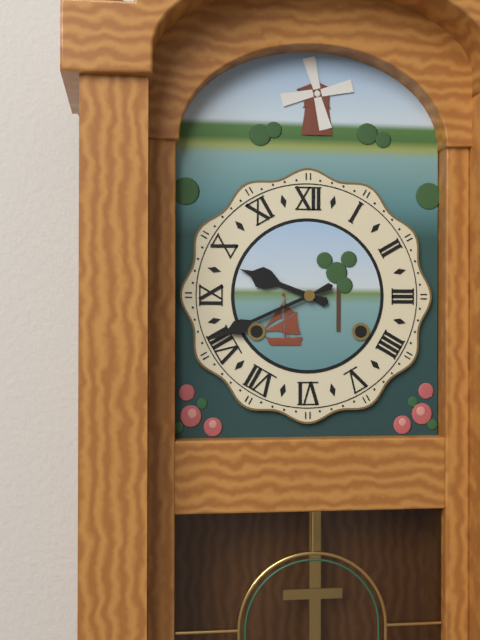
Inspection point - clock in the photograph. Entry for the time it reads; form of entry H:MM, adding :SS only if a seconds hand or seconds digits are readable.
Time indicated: 9:41
